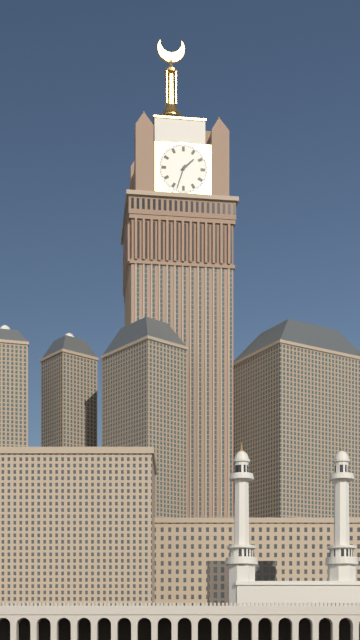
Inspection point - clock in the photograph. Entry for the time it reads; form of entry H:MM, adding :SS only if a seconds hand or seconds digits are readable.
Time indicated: 1:33
